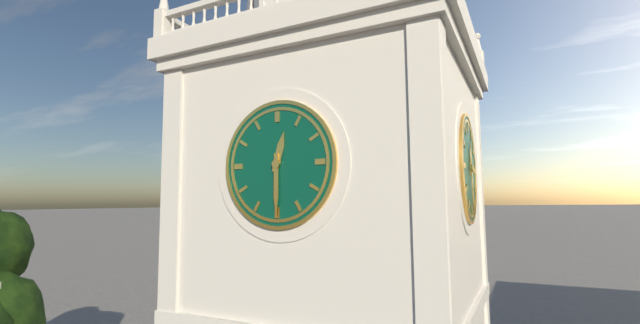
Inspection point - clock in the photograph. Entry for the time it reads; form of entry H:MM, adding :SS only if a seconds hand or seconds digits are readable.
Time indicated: 12:30
